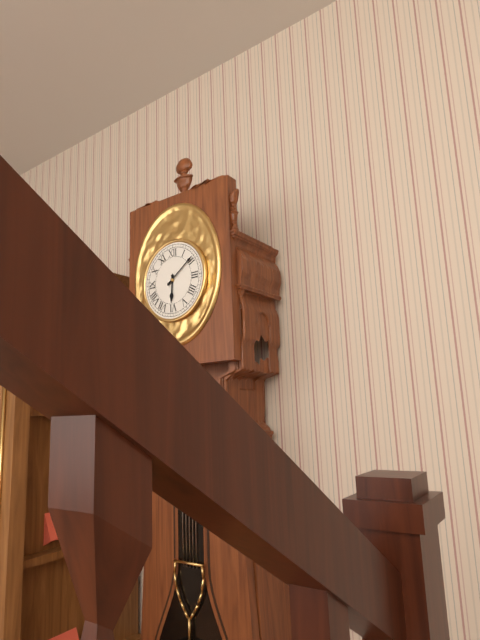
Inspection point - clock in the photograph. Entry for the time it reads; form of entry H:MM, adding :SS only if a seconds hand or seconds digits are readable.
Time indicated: 6:09
